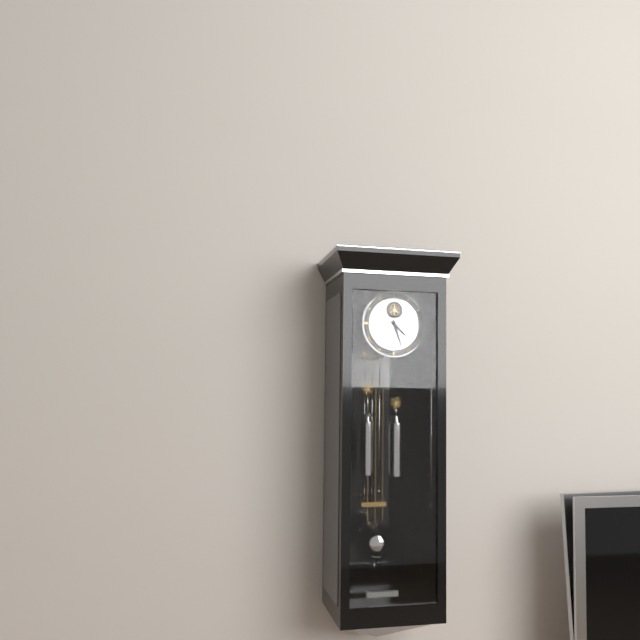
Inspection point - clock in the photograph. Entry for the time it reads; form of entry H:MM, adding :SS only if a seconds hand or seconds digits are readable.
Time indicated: 4:27
